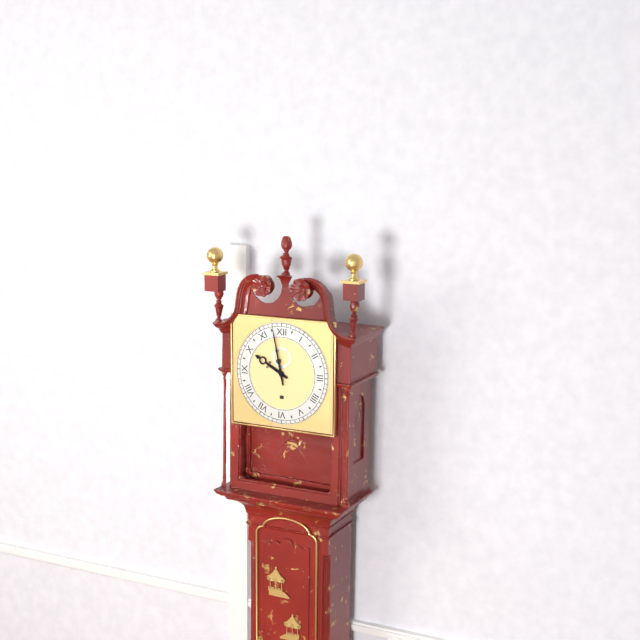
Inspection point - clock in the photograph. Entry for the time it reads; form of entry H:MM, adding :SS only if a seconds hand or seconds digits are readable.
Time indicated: 9:58
